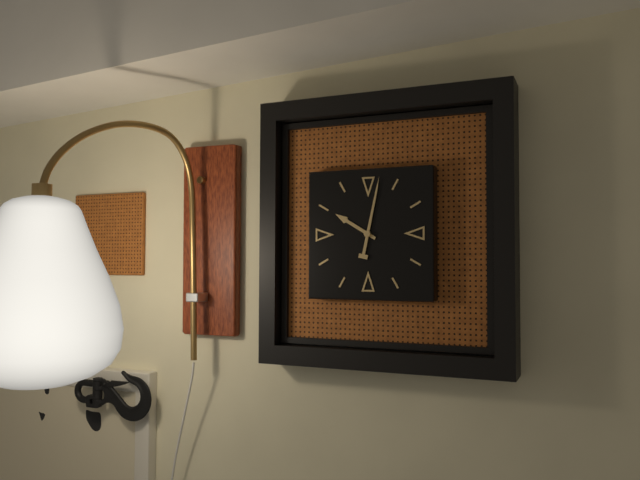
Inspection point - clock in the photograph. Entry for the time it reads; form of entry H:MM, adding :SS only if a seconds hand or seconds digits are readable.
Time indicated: 10:02
